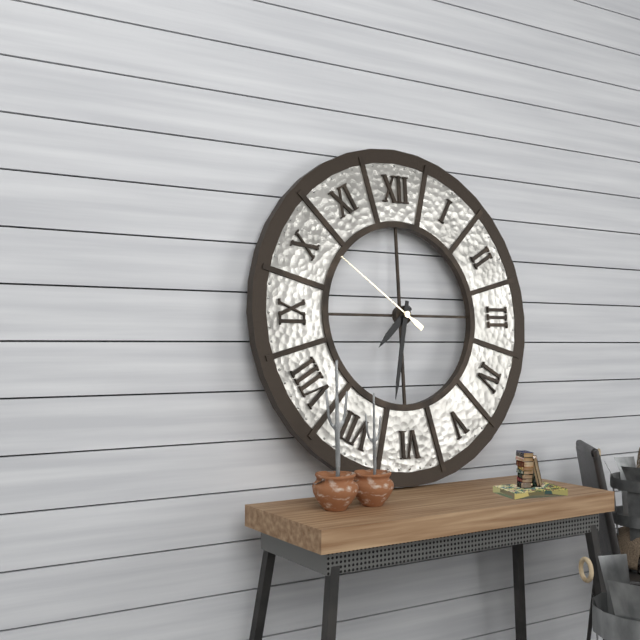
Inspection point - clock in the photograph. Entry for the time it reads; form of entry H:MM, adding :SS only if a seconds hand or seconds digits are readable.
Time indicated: 7:32:51
